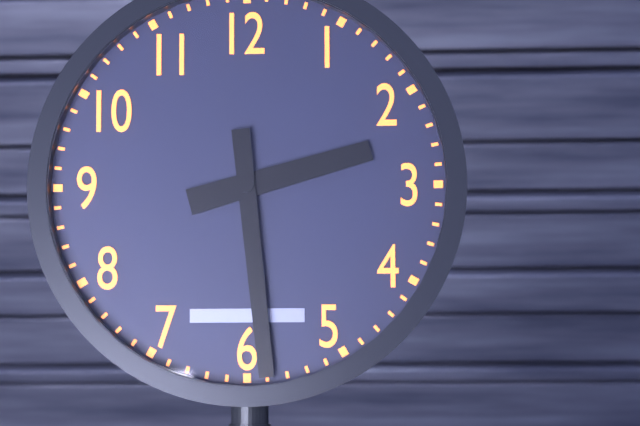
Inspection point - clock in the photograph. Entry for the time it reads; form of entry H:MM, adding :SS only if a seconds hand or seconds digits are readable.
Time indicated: 2:29
